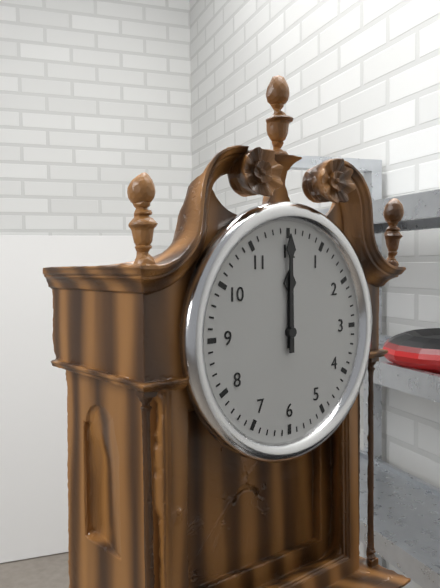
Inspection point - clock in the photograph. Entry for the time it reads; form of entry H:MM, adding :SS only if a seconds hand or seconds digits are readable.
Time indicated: 12:00
